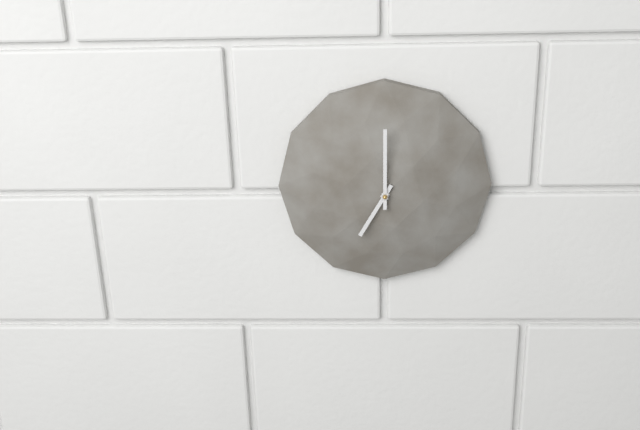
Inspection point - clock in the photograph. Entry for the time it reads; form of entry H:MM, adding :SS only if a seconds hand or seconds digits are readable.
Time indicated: 7:00
